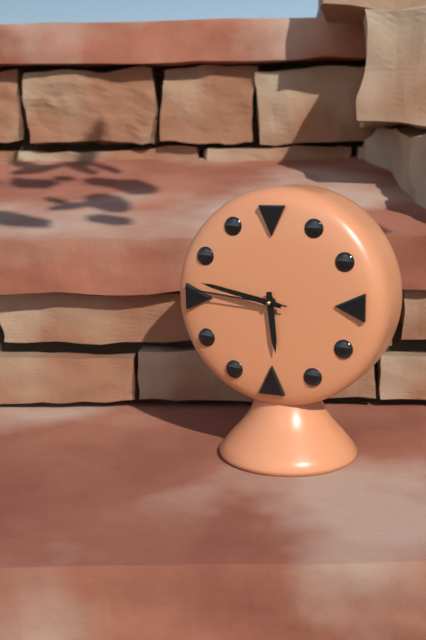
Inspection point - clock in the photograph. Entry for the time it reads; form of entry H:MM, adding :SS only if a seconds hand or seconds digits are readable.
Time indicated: 5:47:46
